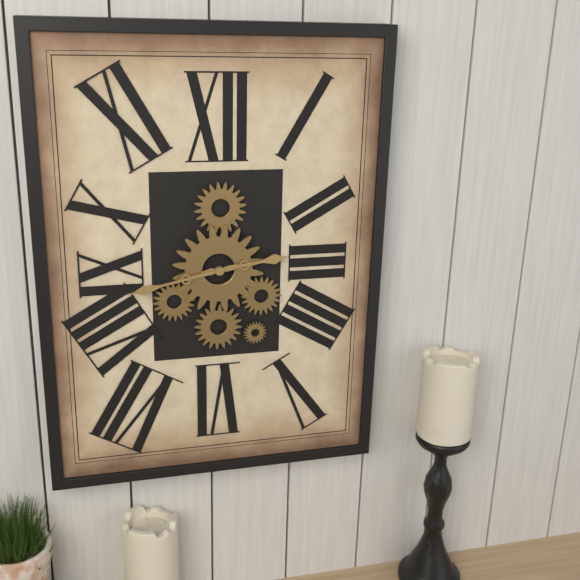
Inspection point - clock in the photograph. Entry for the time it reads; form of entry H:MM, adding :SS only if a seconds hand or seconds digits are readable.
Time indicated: 2:43
